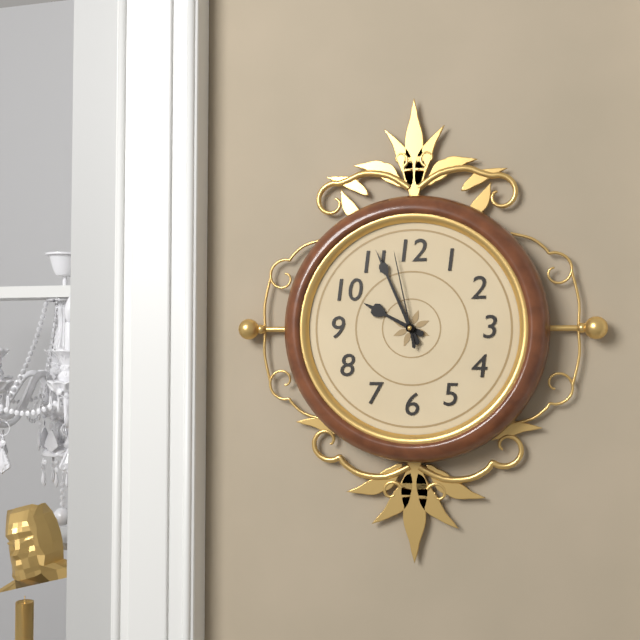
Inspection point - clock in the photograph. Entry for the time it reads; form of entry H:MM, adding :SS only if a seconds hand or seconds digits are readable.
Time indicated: 9:56:58
